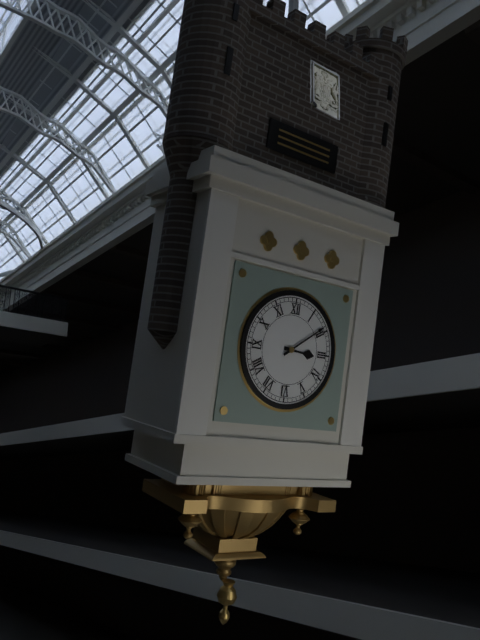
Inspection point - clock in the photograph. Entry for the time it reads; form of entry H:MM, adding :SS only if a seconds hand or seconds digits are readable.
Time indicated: 3:09
